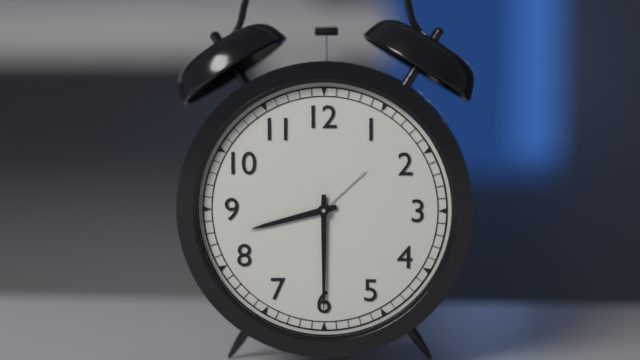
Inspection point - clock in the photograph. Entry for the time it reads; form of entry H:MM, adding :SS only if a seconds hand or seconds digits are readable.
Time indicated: 8:30
